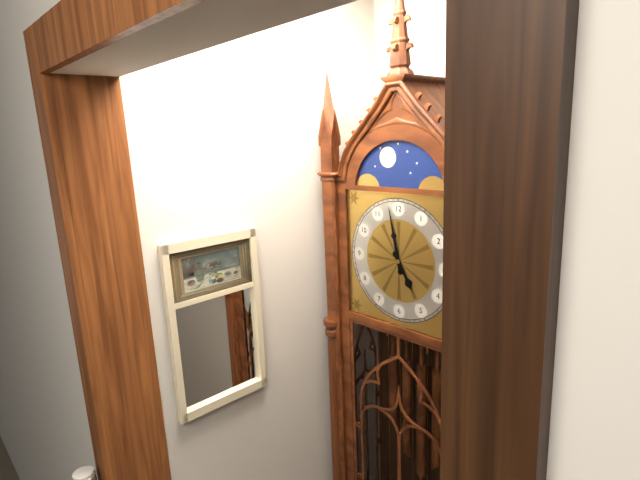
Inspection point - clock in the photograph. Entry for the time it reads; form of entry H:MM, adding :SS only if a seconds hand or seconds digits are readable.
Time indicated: 4:58
